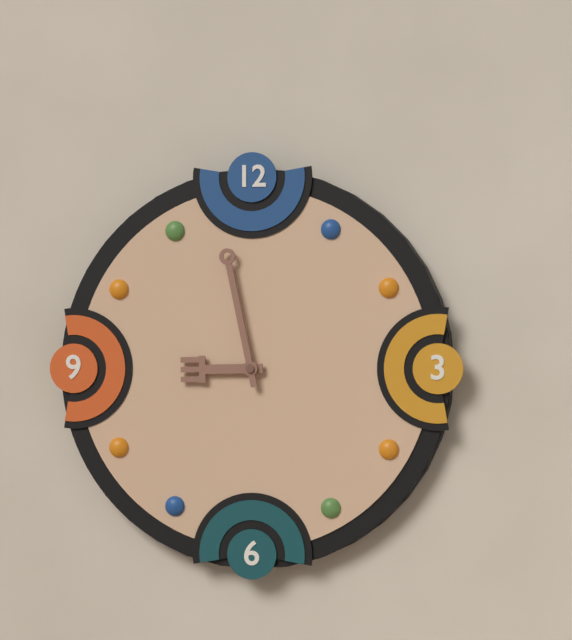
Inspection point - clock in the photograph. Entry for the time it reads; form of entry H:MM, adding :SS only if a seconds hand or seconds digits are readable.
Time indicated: 8:58
